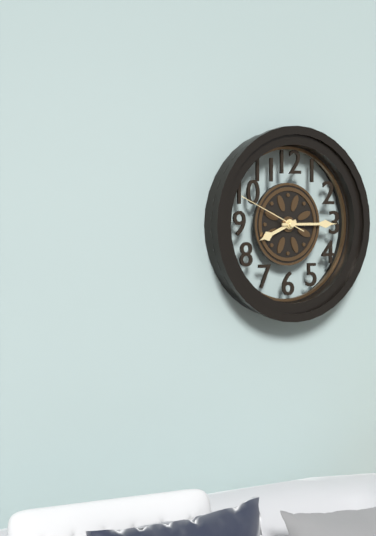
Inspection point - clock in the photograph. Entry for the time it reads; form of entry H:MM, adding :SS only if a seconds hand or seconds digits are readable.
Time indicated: 8:15:49
